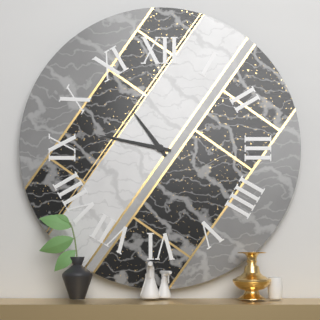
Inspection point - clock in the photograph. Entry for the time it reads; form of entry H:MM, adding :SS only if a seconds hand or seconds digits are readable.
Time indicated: 10:47
